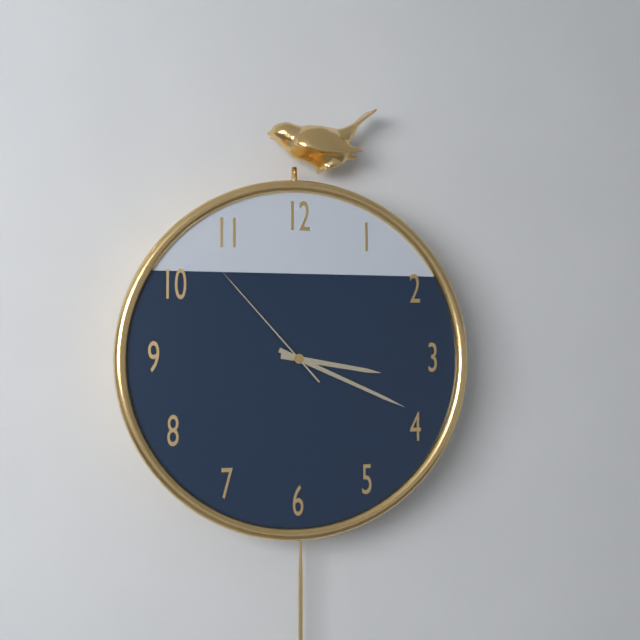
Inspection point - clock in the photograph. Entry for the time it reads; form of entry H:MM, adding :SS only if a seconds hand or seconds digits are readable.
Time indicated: 3:19:53
